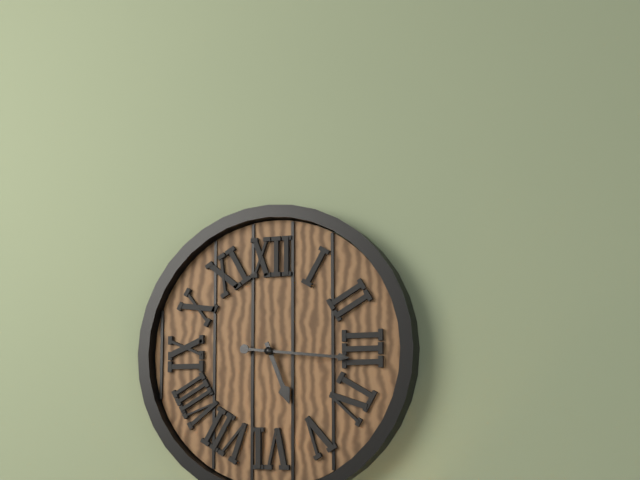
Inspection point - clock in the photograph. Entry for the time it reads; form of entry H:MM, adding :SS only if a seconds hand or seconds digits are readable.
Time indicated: 5:16
